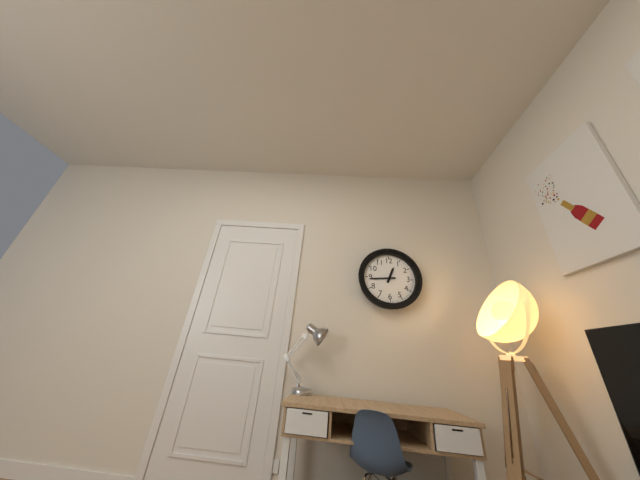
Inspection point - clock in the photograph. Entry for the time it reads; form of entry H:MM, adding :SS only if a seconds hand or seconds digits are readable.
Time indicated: 12:44
